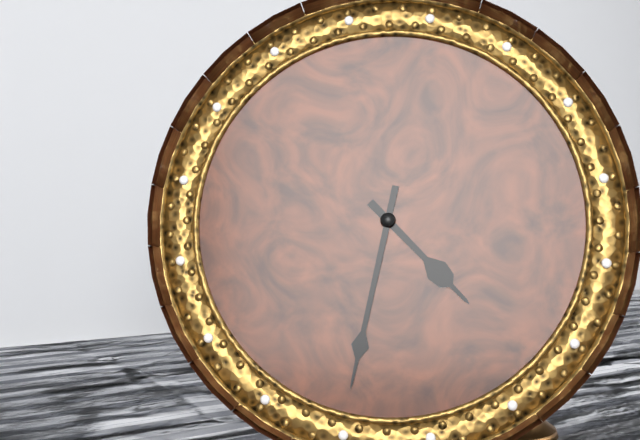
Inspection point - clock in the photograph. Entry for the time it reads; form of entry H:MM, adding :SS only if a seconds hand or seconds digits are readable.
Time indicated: 4:32
